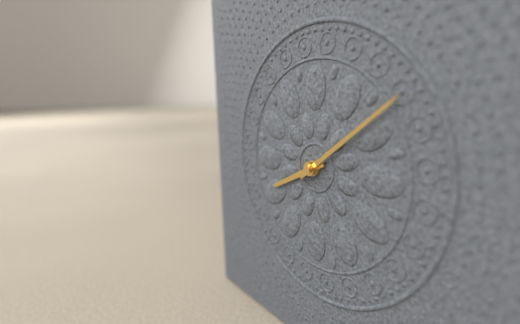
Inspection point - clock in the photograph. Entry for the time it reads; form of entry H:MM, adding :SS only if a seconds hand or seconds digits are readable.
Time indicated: 8:09
